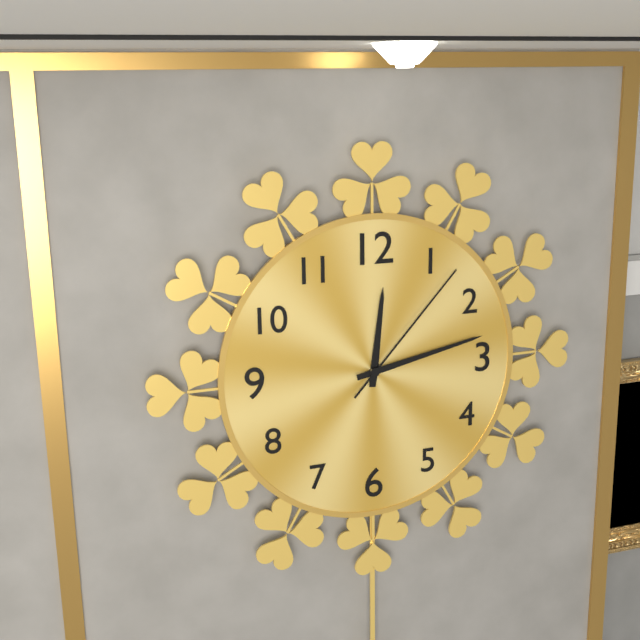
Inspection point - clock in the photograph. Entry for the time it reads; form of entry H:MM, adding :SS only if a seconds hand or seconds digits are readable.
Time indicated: 12:13:07
